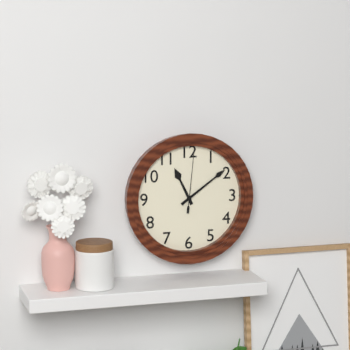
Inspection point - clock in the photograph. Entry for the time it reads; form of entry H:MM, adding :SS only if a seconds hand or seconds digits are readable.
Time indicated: 11:09:01
